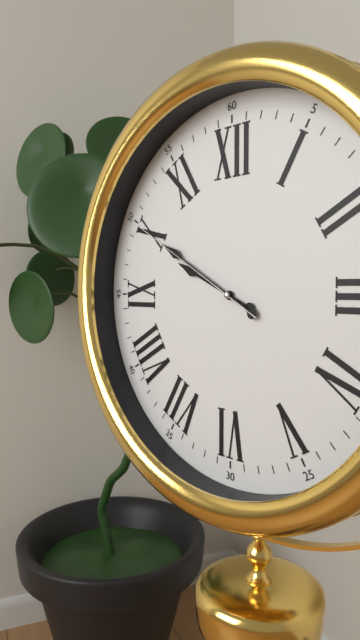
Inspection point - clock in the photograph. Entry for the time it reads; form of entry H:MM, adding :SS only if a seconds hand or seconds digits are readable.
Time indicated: 9:50:50
